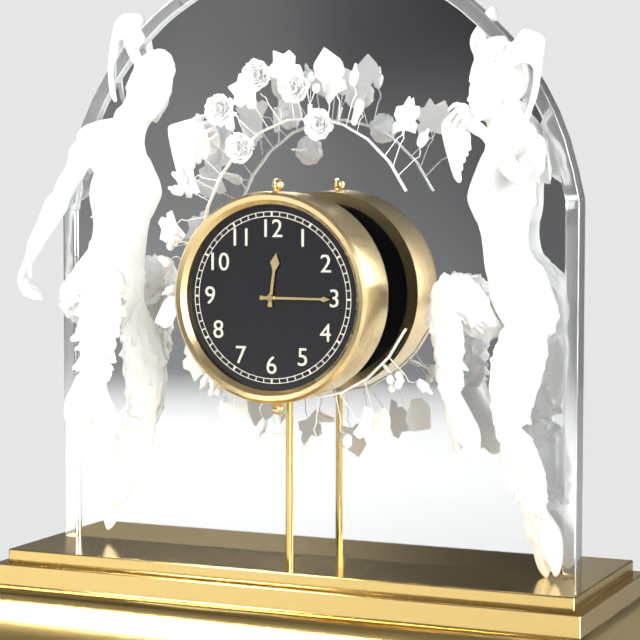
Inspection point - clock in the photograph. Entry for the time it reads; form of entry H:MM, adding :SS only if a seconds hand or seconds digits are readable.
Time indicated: 12:15
